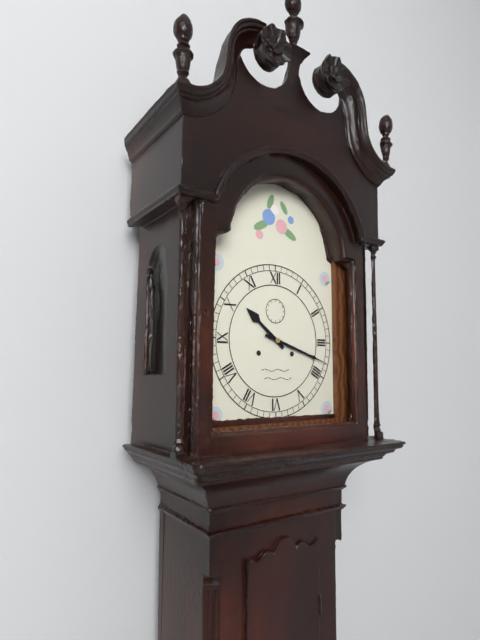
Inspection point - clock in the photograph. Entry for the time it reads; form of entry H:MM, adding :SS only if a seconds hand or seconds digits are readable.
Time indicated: 10:18
